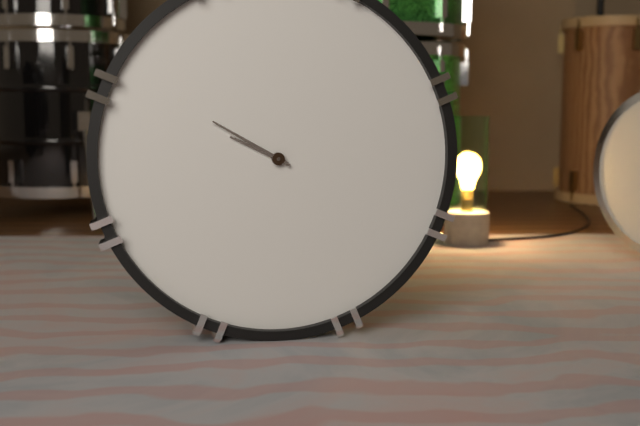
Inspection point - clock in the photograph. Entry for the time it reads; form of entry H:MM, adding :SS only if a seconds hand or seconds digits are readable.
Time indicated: 9:50
